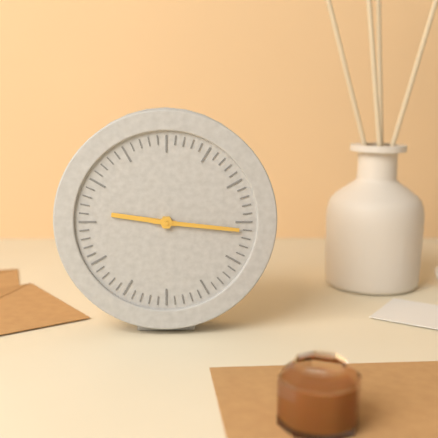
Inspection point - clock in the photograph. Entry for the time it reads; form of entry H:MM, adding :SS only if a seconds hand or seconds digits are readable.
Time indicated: 9:16
